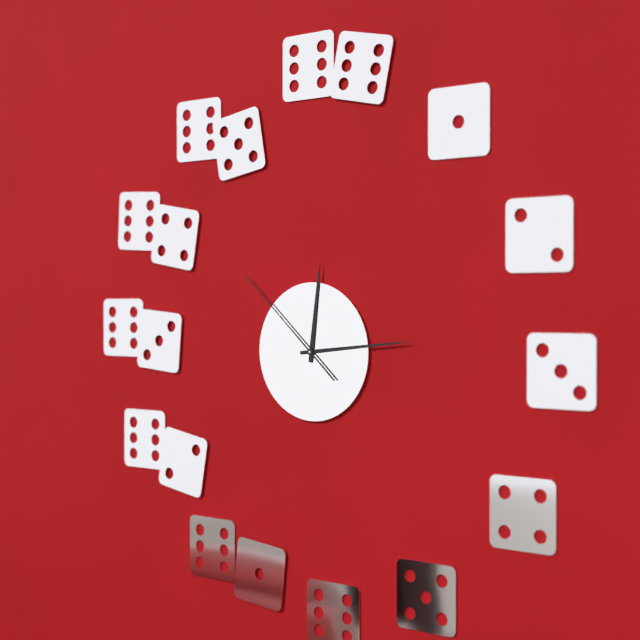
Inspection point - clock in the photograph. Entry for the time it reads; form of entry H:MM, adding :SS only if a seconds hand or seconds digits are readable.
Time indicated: 12:14:52
